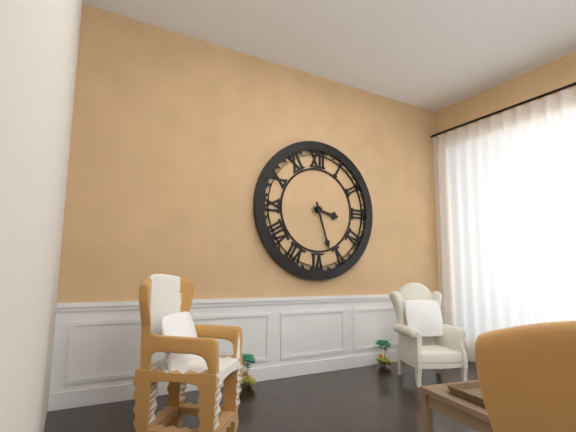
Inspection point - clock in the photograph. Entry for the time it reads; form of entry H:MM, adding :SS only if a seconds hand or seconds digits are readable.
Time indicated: 3:27
